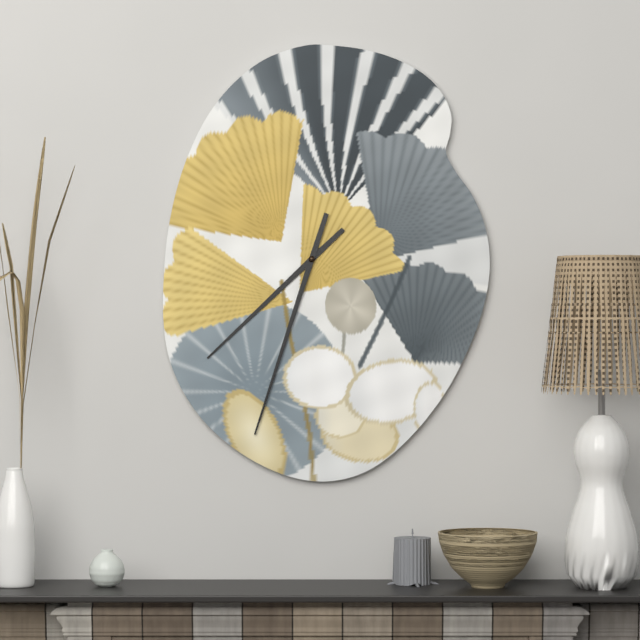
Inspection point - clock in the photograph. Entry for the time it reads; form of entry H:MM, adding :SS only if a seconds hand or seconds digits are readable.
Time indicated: 7:33
